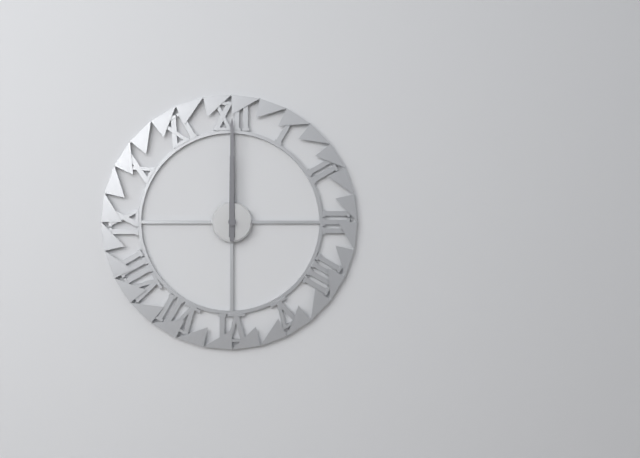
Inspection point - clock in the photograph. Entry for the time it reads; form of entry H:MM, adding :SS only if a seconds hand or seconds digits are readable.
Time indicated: 12:00
